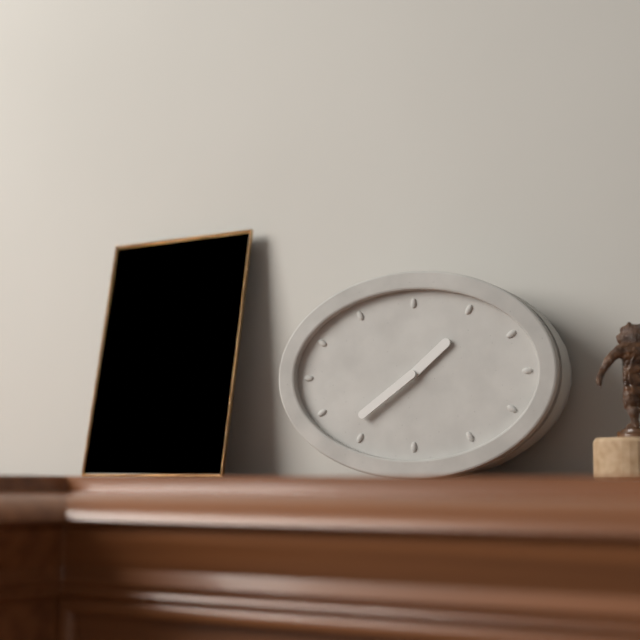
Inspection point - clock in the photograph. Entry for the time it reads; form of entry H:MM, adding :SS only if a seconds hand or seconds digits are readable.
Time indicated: 1:39
